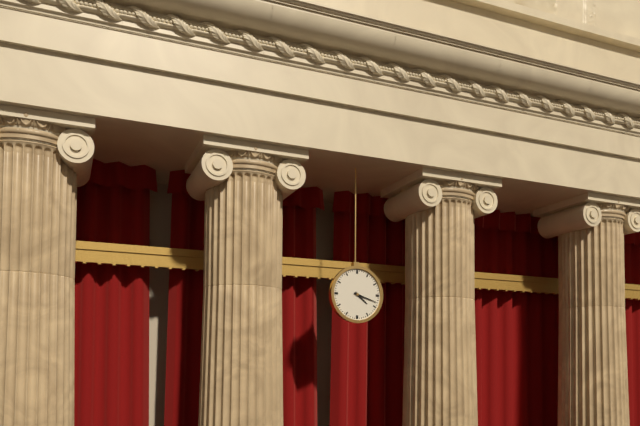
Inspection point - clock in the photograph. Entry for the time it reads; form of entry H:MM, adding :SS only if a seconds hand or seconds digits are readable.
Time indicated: 4:18
